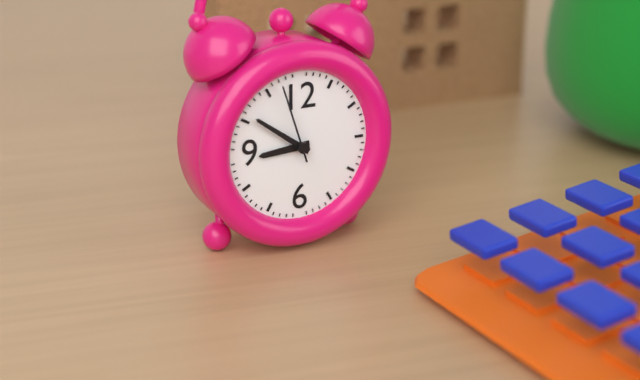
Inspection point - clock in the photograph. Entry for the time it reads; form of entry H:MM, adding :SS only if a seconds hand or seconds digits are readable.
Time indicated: 8:51:57
